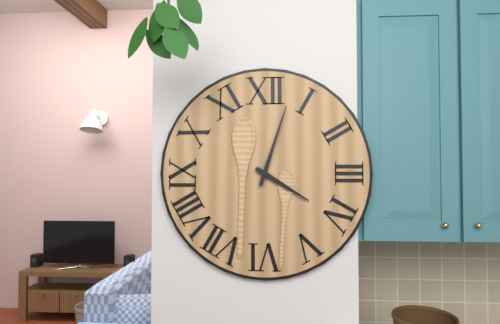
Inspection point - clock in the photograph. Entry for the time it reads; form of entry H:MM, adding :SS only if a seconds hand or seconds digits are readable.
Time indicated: 4:03
